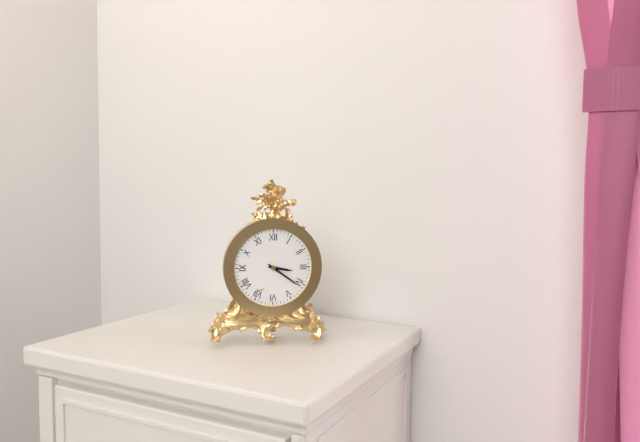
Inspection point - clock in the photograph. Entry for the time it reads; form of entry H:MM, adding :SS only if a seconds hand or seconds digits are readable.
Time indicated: 3:21
